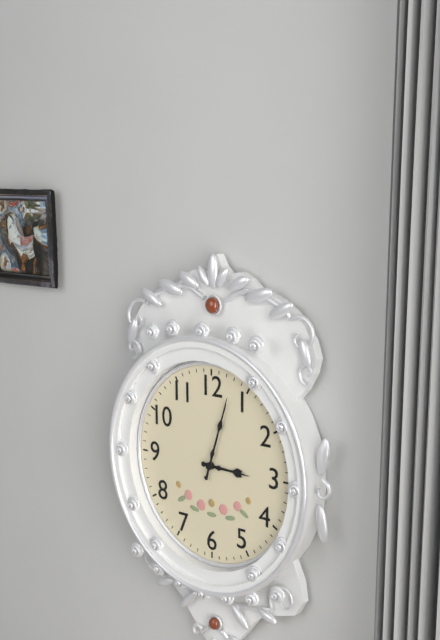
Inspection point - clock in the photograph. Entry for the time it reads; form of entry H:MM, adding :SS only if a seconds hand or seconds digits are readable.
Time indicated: 3:03
